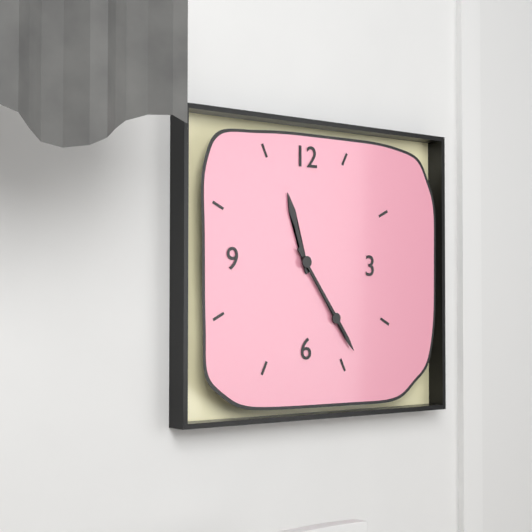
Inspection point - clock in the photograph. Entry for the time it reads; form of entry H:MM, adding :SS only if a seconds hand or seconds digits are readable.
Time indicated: 11:24
